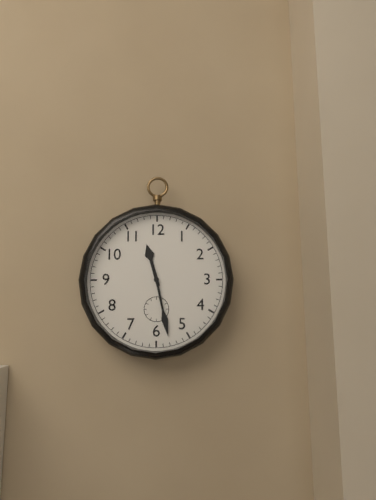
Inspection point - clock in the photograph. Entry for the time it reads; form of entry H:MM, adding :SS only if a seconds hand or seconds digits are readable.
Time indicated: 11:28
